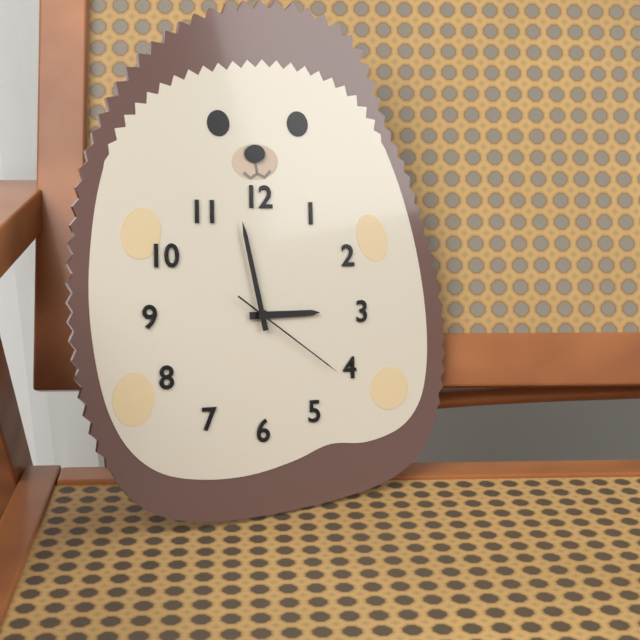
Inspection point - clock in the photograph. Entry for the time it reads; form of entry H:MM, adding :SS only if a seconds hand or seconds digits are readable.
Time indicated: 2:58:21
